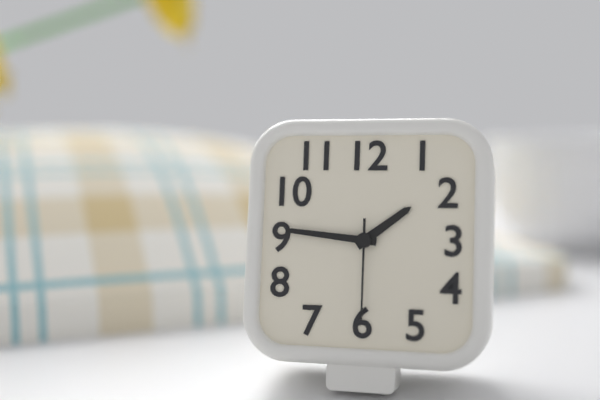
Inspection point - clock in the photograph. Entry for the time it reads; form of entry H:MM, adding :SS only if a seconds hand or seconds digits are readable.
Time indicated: 1:46:30
